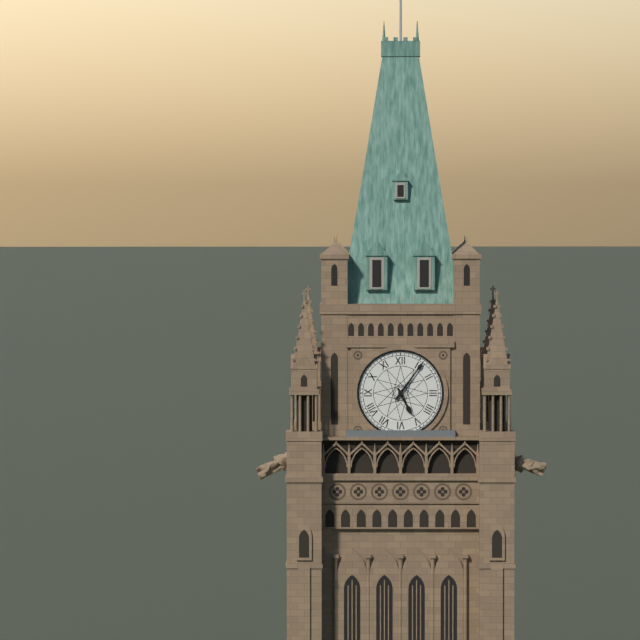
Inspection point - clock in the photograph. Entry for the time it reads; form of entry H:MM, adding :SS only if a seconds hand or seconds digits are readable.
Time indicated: 5:06
